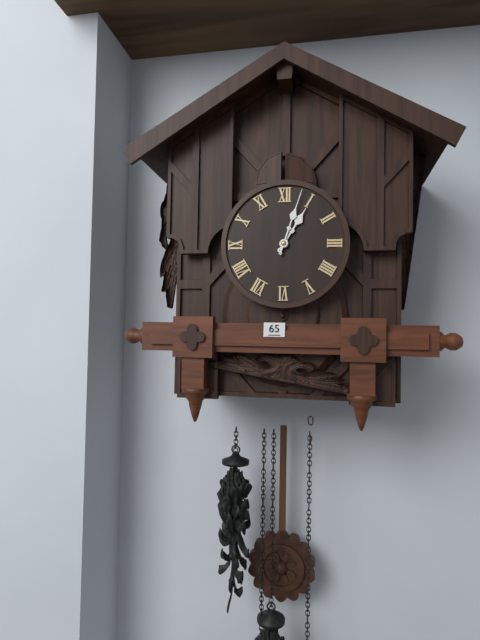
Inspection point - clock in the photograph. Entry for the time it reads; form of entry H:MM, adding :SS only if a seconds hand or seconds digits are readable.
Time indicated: 1:03
